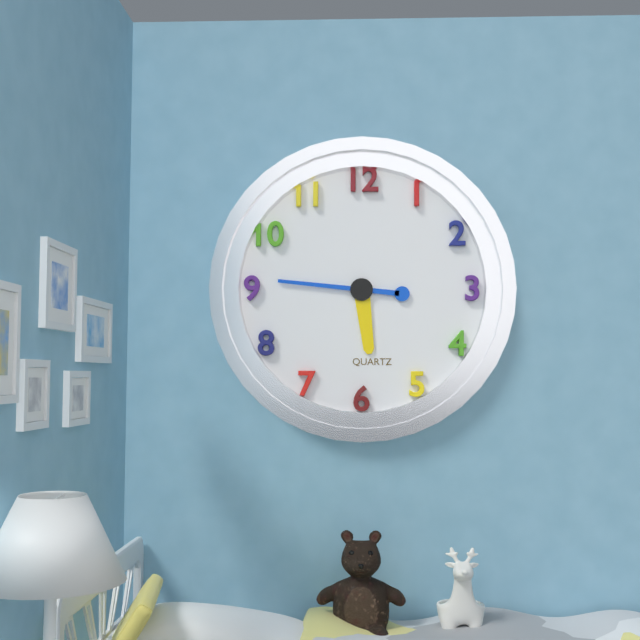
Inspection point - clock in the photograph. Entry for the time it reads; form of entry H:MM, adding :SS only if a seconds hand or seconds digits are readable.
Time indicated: 5:46
